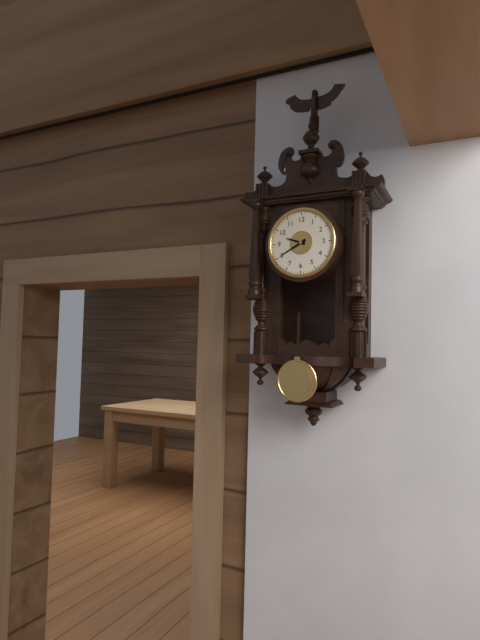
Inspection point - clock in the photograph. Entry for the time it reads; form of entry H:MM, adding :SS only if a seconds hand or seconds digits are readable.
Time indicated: 9:40
